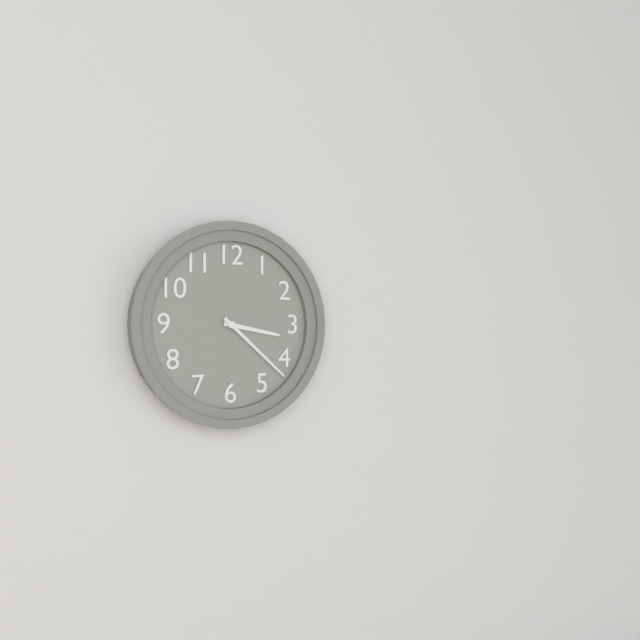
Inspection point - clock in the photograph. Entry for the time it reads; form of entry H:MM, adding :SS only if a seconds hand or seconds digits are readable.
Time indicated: 3:22
